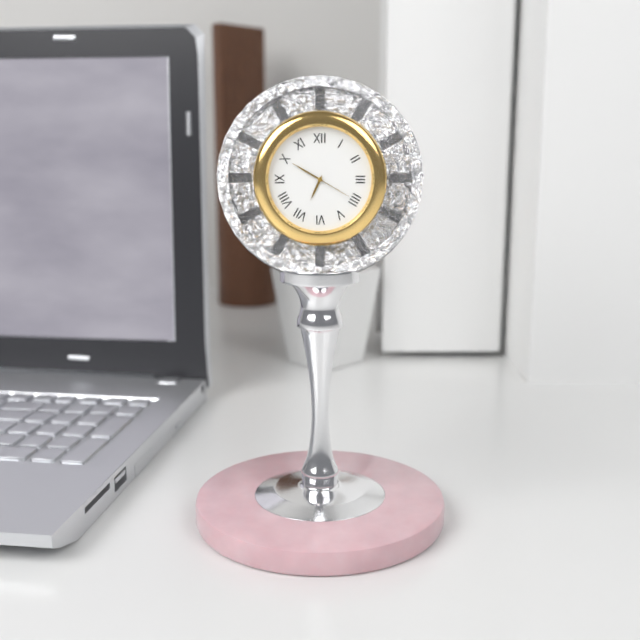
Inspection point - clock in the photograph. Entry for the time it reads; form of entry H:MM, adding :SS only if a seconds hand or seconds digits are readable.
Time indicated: 6:50
